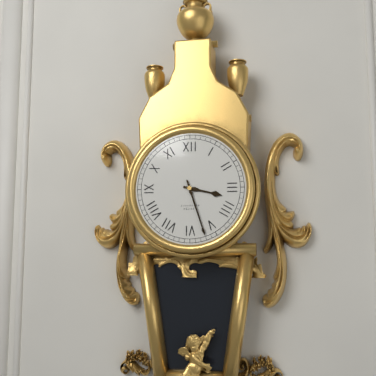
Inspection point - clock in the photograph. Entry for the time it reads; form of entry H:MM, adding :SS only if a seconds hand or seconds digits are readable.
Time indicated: 3:27
